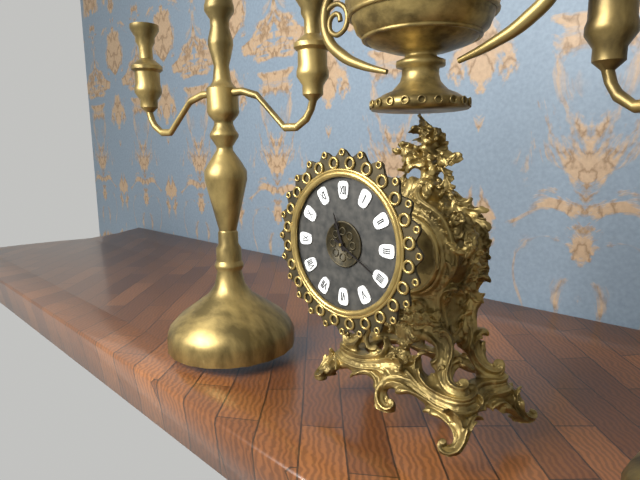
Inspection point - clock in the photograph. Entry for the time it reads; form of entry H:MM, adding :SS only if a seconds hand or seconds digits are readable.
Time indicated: 11:20
